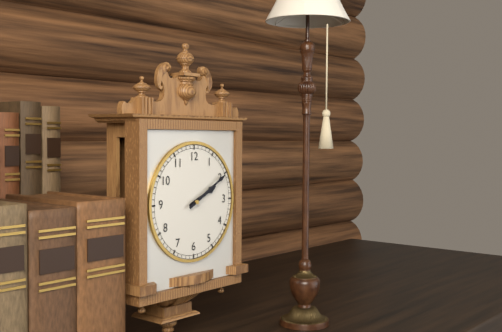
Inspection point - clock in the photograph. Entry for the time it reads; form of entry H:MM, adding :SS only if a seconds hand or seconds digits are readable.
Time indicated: 2:10
